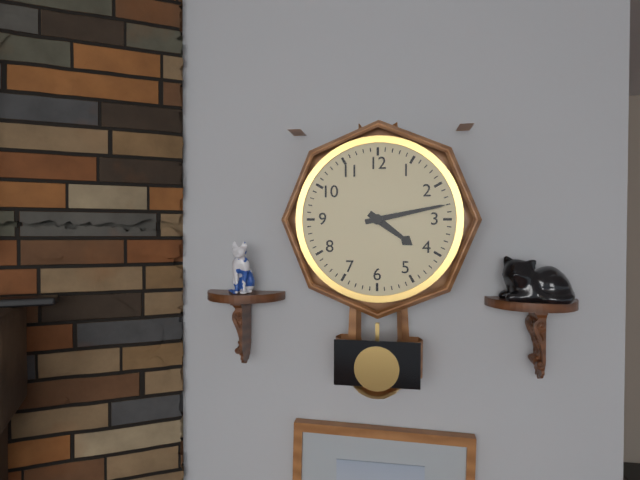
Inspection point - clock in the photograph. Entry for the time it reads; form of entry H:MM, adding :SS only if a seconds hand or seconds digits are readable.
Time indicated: 4:13
